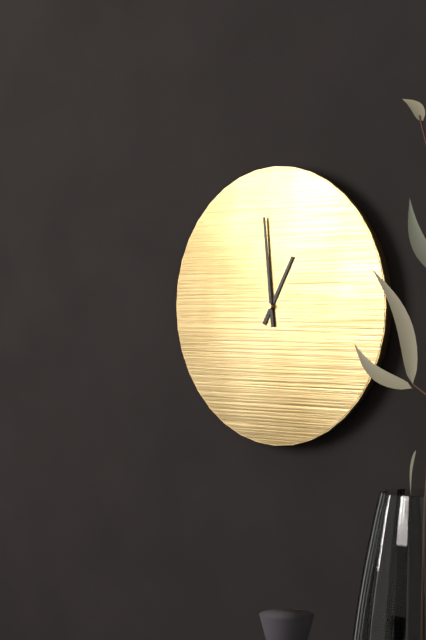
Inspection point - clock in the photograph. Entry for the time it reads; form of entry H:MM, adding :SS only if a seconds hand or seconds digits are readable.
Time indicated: 12:59
